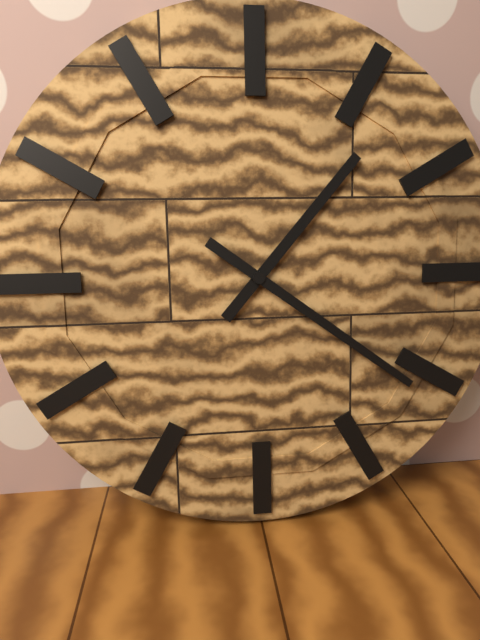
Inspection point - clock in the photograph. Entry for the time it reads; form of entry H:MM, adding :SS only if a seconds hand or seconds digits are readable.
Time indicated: 1:21
